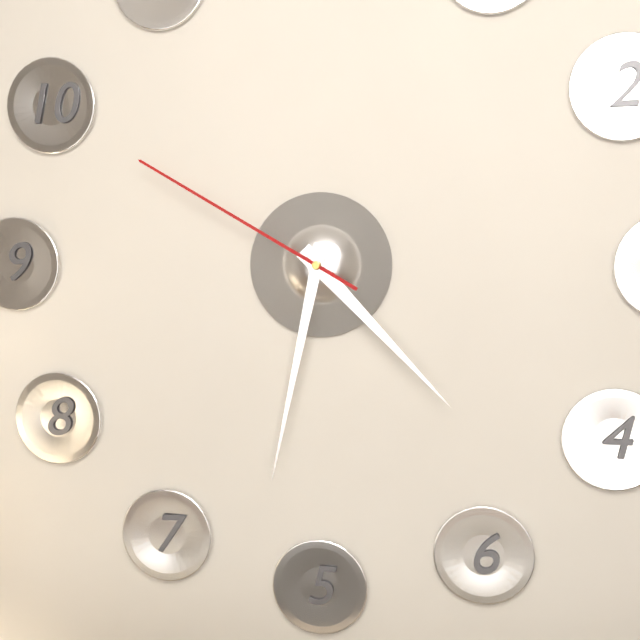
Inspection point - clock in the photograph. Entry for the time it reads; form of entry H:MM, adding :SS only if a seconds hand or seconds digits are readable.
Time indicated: 4:32:50
